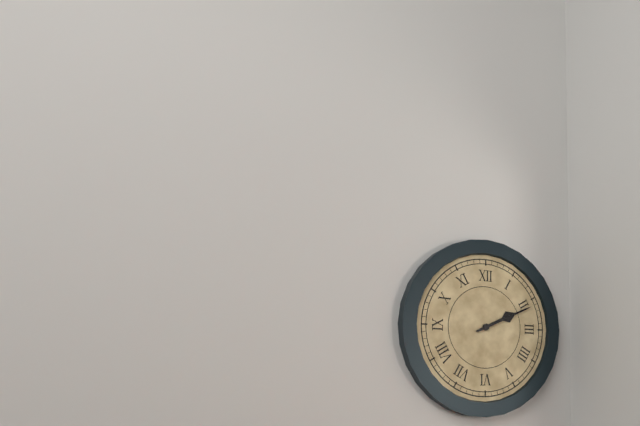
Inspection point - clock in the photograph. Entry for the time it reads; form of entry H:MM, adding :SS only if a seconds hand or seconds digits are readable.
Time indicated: 2:11
